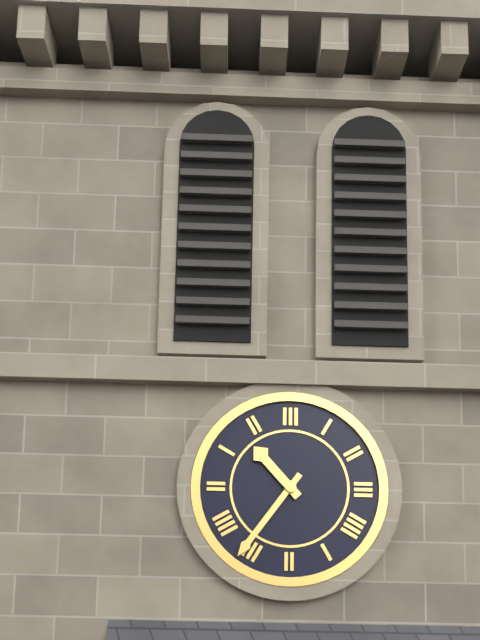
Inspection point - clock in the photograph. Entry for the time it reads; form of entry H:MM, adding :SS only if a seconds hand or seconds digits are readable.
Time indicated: 10:36
